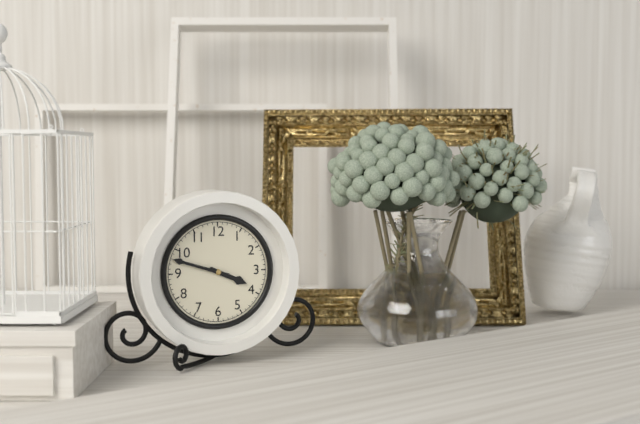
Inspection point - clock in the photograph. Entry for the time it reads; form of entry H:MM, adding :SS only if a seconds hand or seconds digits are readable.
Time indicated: 3:48
